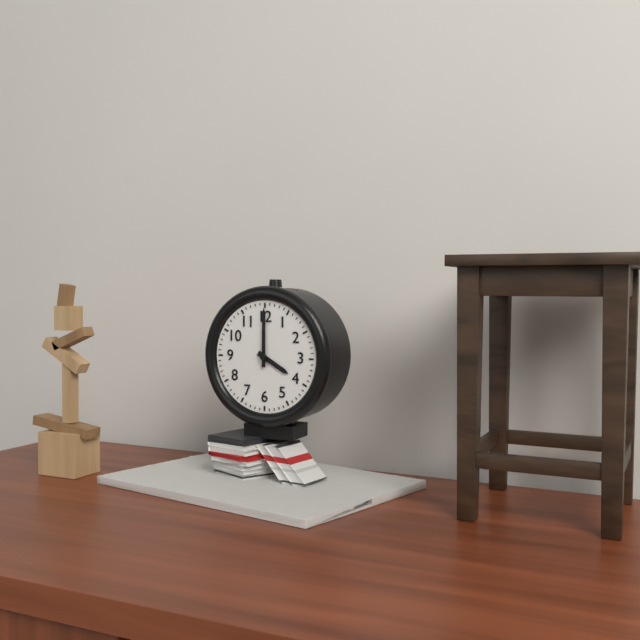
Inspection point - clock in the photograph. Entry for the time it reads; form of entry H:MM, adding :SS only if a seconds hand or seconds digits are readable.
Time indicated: 4:00
